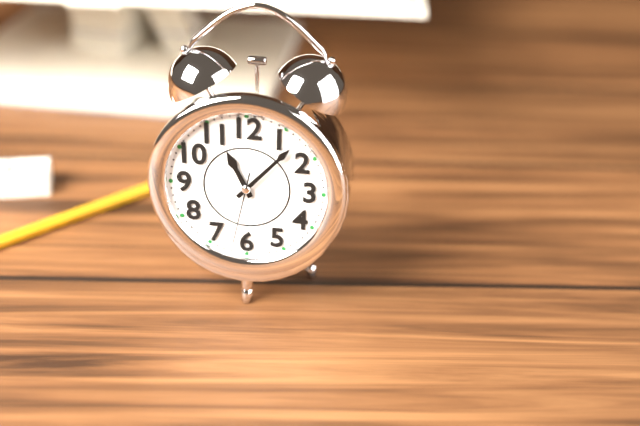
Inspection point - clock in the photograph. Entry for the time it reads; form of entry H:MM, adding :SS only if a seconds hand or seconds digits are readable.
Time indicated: 11:07:32
